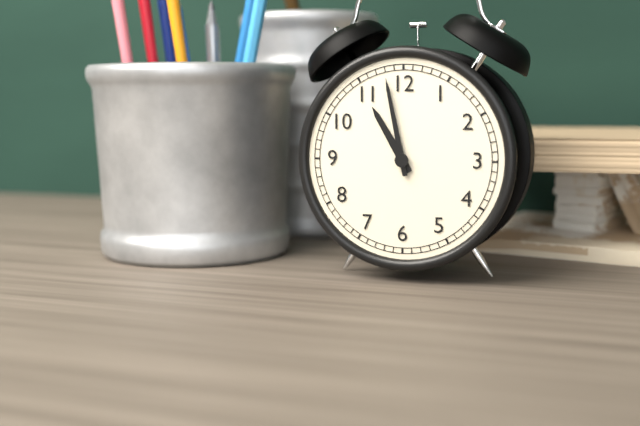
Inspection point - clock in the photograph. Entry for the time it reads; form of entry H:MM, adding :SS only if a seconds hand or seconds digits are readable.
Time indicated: 10:58
